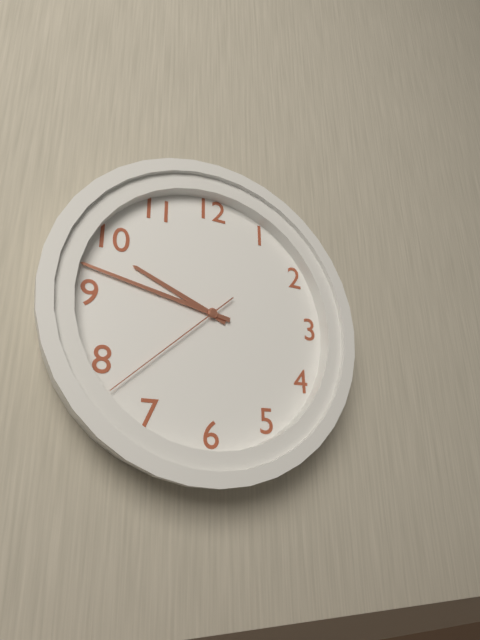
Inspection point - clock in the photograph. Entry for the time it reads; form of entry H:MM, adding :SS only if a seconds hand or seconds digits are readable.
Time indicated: 9:47:38
